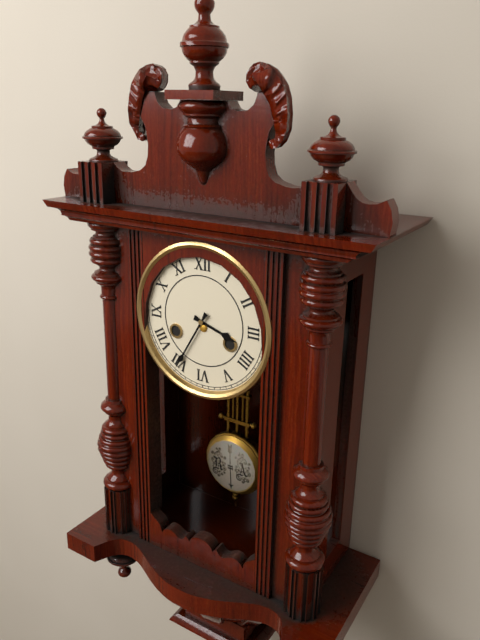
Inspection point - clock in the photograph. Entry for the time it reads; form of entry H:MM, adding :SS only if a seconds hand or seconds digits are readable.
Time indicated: 3:35
